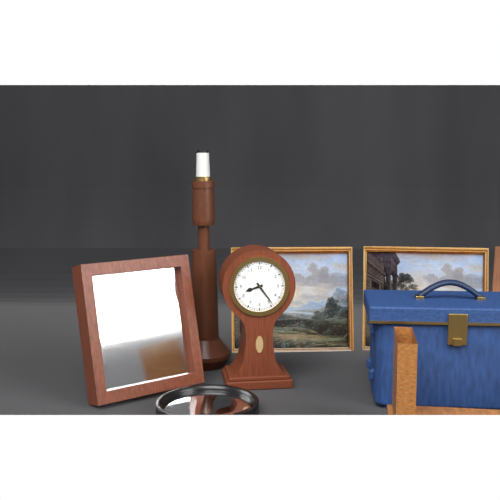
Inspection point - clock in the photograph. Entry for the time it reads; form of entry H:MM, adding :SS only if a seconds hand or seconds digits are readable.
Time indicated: 8:24
